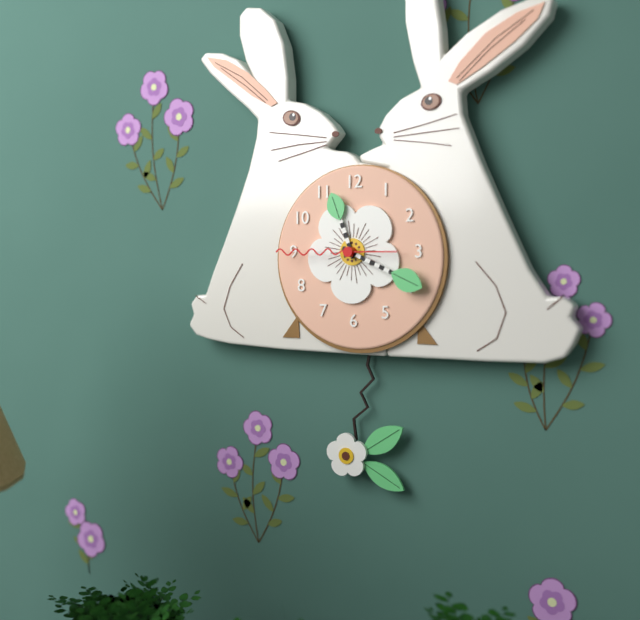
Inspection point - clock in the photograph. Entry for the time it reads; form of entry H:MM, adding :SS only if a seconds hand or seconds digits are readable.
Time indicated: 11:19:45
